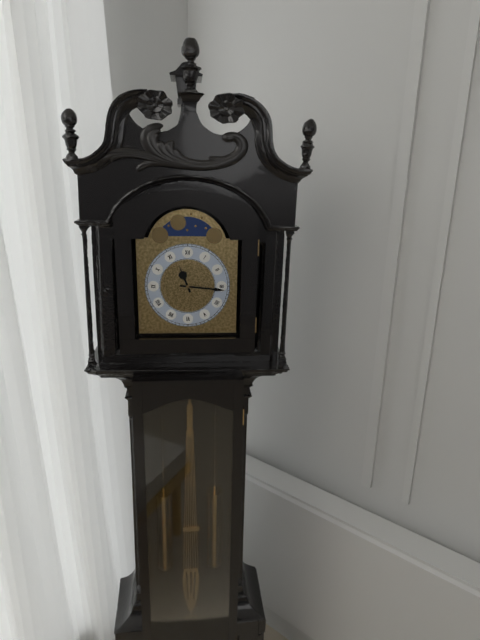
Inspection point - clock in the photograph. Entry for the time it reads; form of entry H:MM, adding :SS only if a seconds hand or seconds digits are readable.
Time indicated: 11:16
